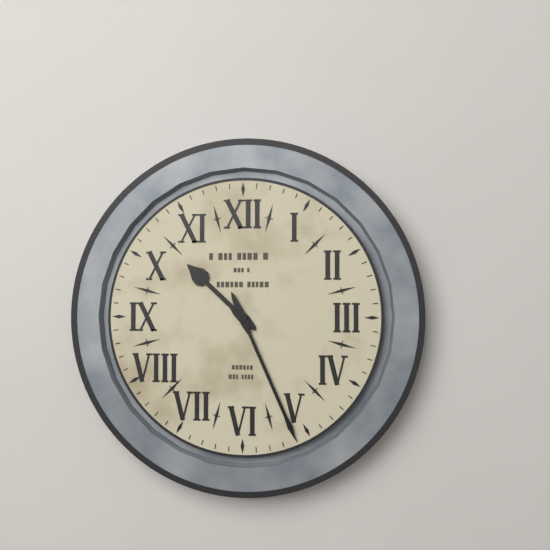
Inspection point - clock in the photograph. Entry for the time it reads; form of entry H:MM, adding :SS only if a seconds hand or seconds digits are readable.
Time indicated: 10:26
